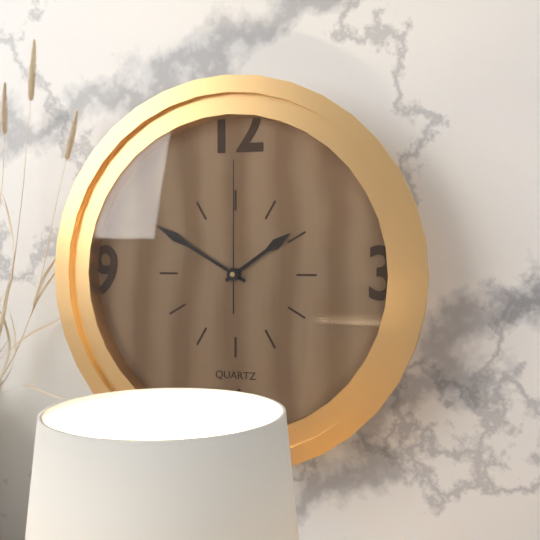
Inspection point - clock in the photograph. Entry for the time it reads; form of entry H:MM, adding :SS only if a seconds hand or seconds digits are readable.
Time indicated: 1:50:00
